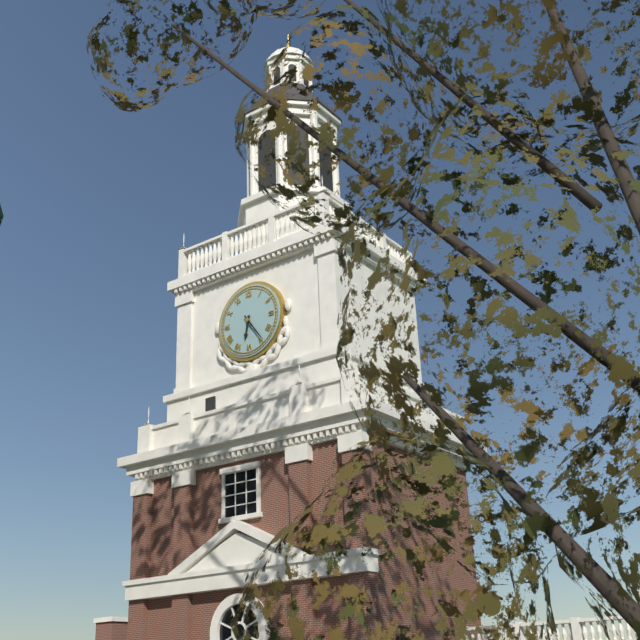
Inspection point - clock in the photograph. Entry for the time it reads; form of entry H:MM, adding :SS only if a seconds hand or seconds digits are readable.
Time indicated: 6:24
